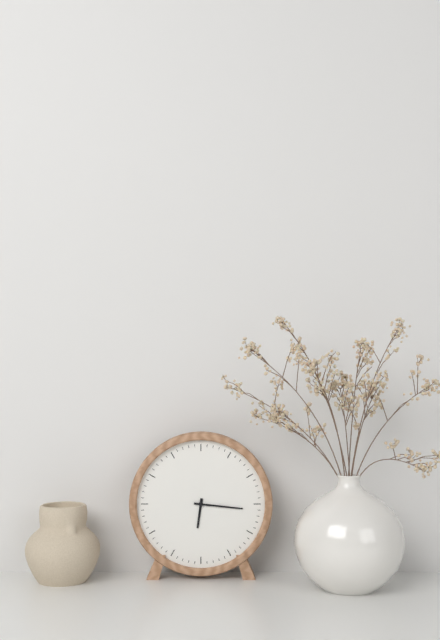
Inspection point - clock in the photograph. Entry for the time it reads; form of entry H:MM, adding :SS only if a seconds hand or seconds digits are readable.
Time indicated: 6:16
